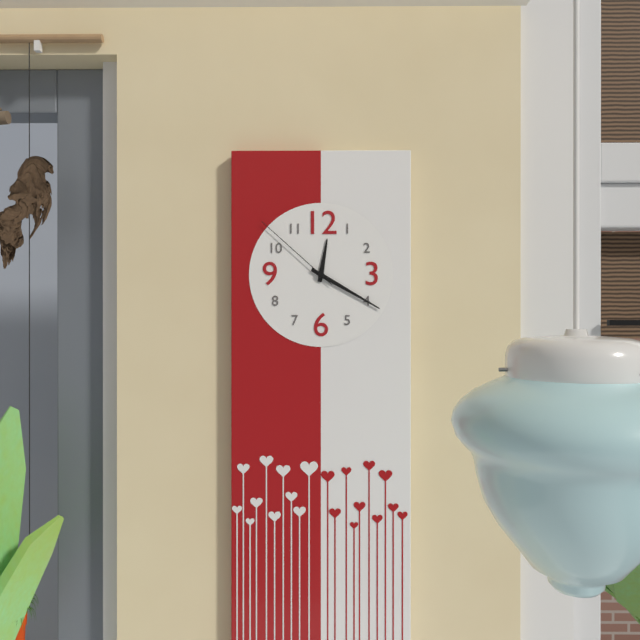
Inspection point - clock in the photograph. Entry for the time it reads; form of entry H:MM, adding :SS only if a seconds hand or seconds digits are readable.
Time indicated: 12:20:52
